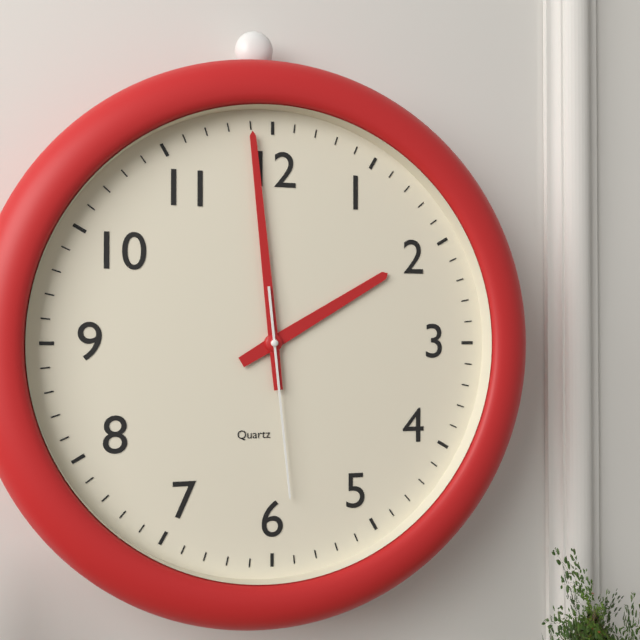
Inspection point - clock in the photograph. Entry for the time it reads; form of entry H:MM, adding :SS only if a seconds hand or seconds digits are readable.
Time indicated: 1:59:29
